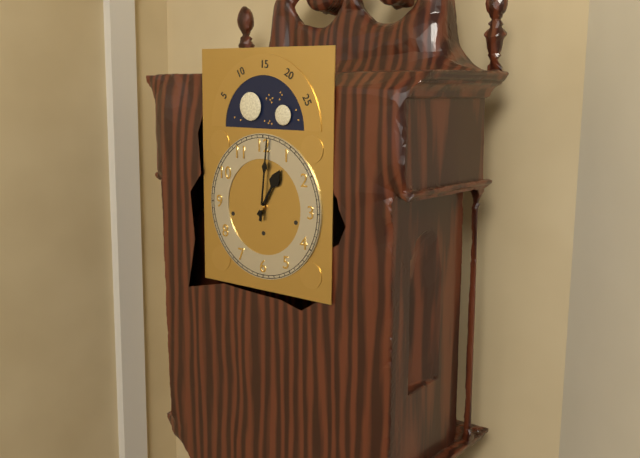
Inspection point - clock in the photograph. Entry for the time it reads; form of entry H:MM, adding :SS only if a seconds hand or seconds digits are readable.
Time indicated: 1:01
